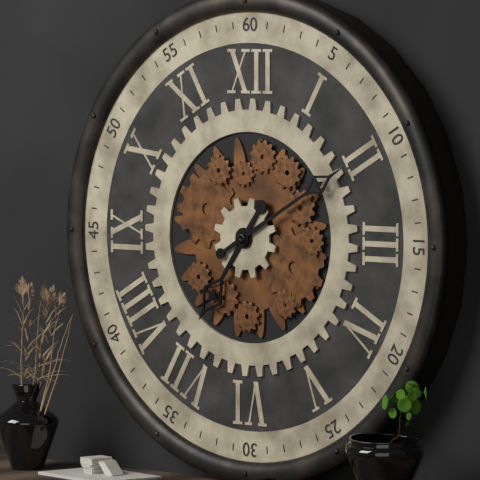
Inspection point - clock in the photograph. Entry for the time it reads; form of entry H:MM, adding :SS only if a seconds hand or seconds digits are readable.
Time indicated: 7:10
